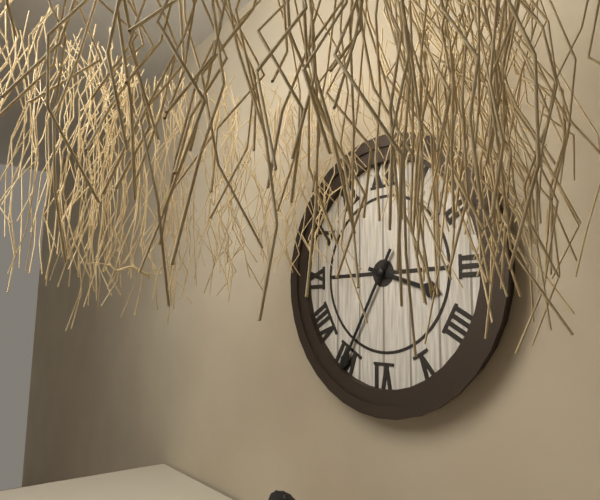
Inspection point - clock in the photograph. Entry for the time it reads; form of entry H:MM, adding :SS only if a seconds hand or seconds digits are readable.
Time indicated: 3:35
